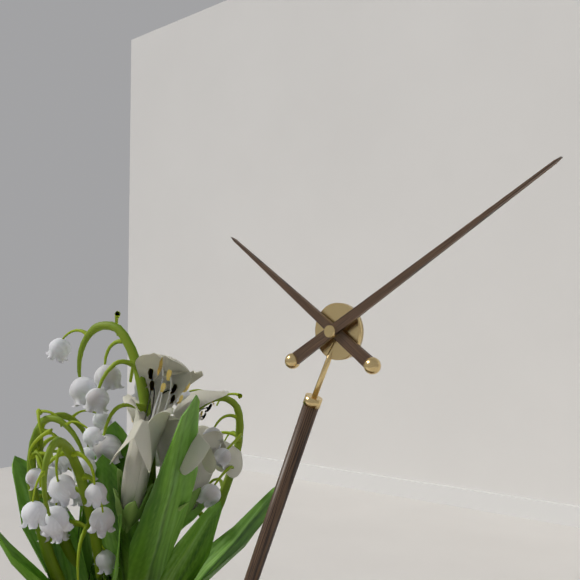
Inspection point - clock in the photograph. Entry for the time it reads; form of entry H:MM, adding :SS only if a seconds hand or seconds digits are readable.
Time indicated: 10:10
